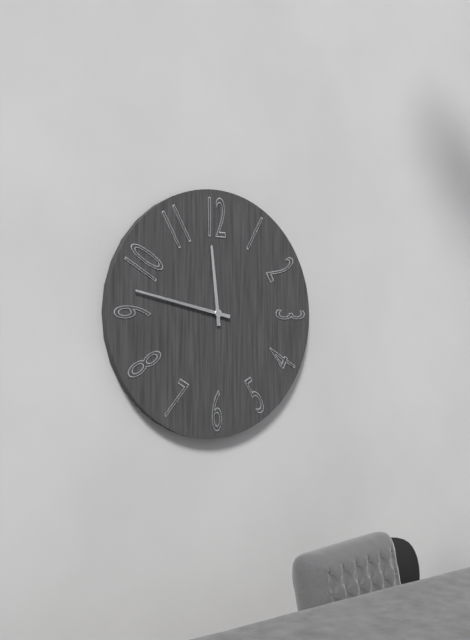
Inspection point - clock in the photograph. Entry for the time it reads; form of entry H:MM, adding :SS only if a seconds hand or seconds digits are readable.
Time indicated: 11:47
